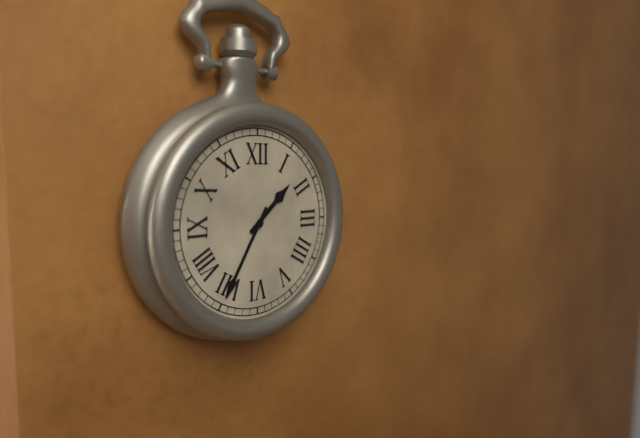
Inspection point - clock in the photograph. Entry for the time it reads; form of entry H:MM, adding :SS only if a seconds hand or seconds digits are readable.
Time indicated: 1:35
